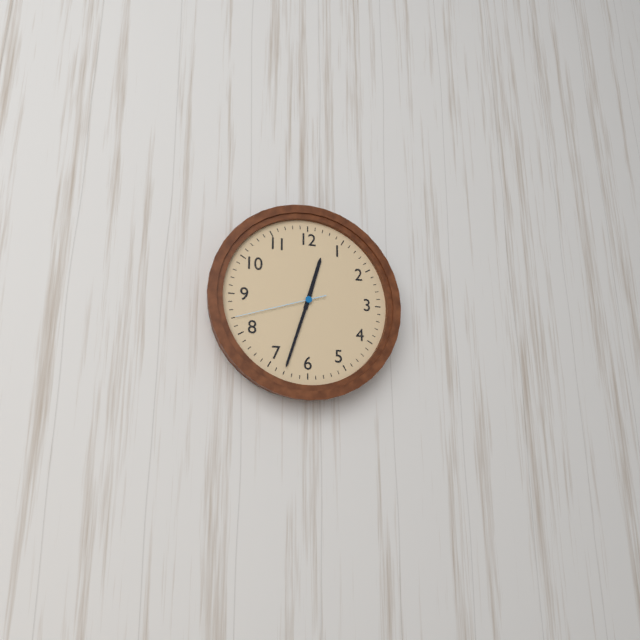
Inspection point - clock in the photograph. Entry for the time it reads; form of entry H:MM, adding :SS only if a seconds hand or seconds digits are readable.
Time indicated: 12:33:42
